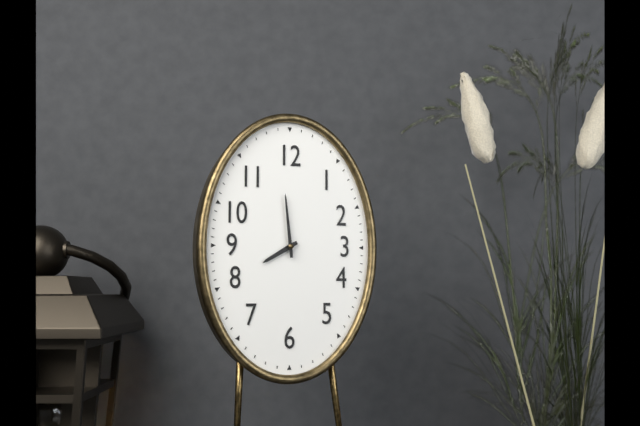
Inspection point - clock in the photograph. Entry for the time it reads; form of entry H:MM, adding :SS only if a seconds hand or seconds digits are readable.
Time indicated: 7:59
